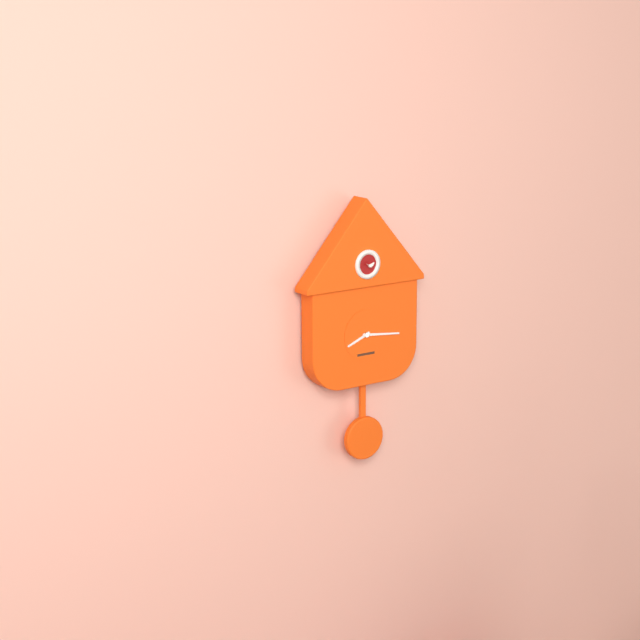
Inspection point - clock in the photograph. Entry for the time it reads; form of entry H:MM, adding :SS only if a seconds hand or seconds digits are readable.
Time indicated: 8:16
